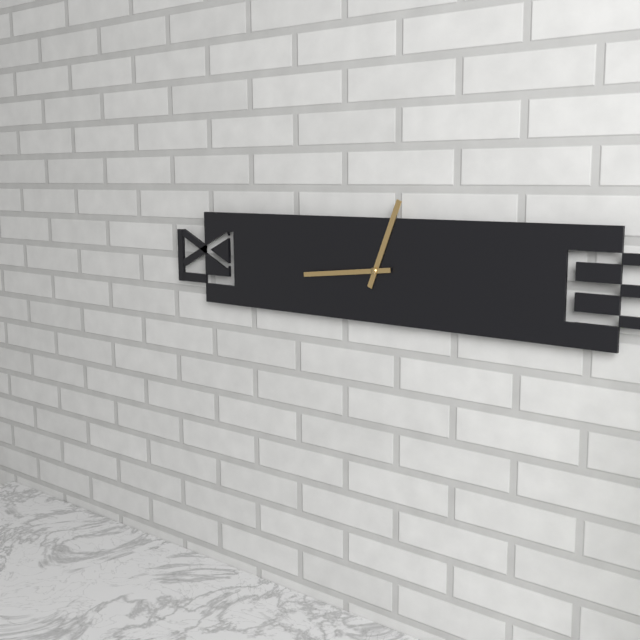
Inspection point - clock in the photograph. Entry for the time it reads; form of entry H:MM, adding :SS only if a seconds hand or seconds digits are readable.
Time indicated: 12:44
